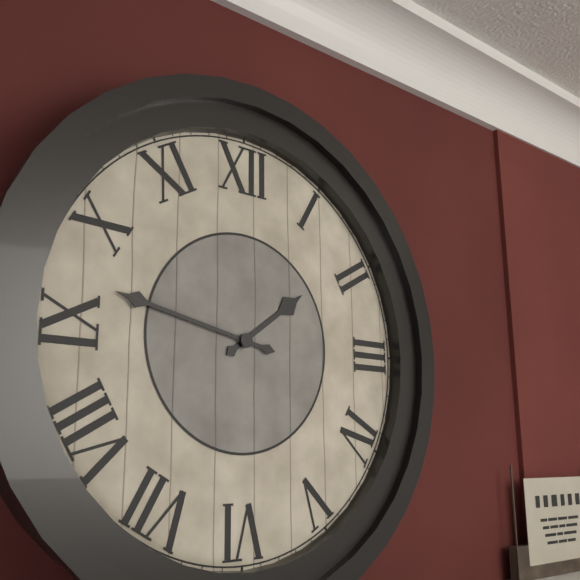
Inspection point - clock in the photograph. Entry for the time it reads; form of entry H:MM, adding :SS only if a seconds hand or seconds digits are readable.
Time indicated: 1:47
